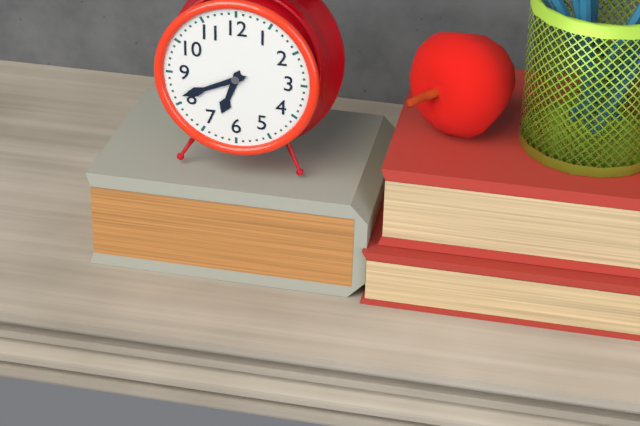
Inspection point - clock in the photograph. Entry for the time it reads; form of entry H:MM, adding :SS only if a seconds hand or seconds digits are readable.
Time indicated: 6:41
